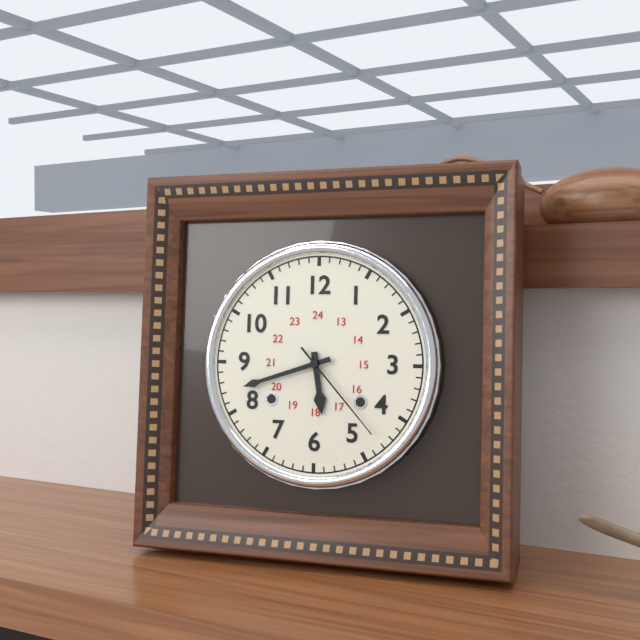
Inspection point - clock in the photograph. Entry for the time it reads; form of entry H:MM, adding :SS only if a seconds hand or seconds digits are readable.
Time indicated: 5:42:23
